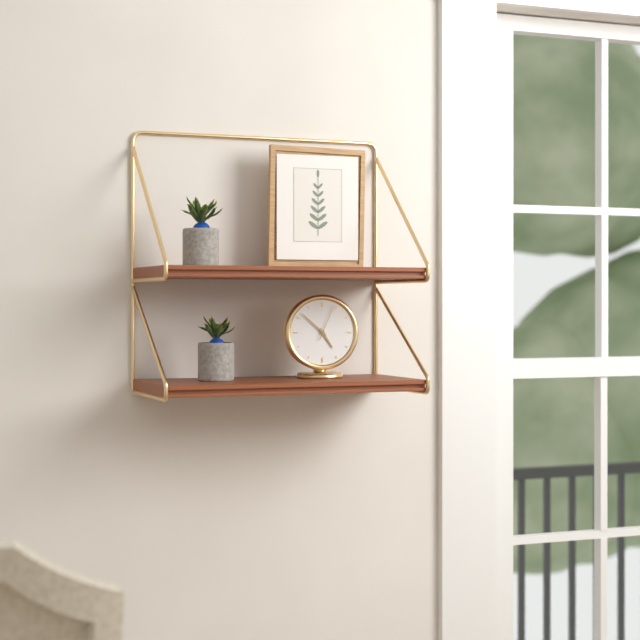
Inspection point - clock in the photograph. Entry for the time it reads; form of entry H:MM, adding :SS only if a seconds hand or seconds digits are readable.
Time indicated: 4:52
